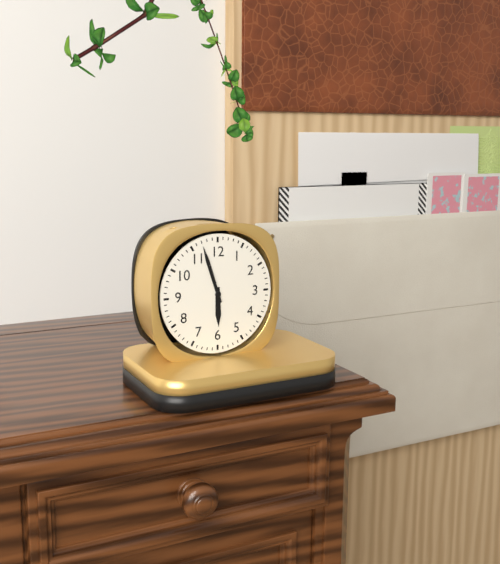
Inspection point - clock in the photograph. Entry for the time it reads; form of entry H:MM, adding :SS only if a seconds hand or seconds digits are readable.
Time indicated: 5:57
